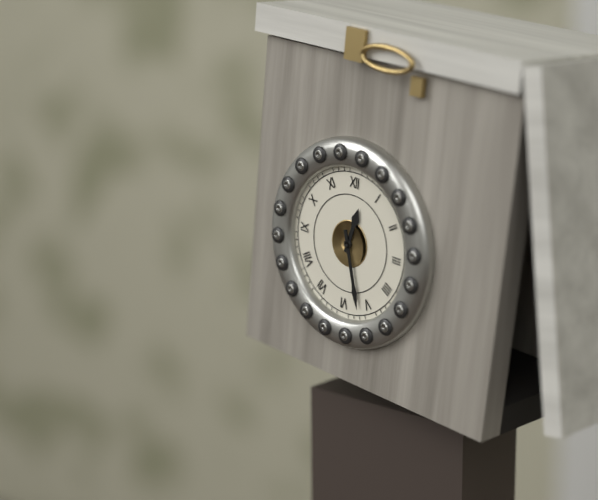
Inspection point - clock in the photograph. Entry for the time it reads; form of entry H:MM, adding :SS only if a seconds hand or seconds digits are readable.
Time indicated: 12:27
